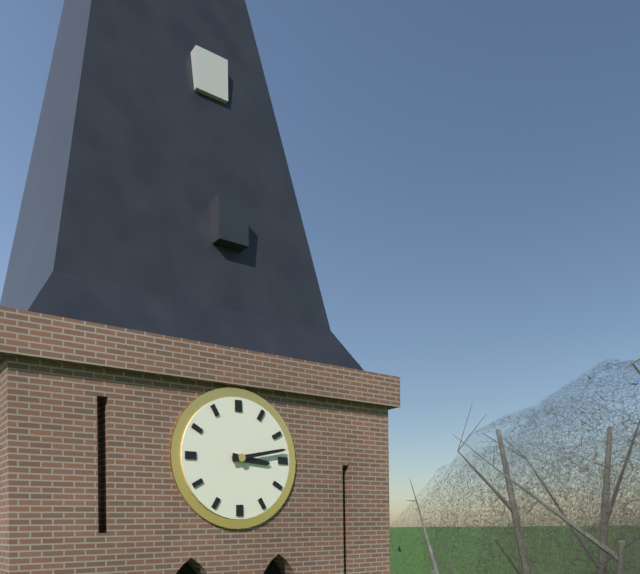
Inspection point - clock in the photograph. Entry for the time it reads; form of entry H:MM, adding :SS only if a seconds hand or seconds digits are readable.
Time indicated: 3:13
